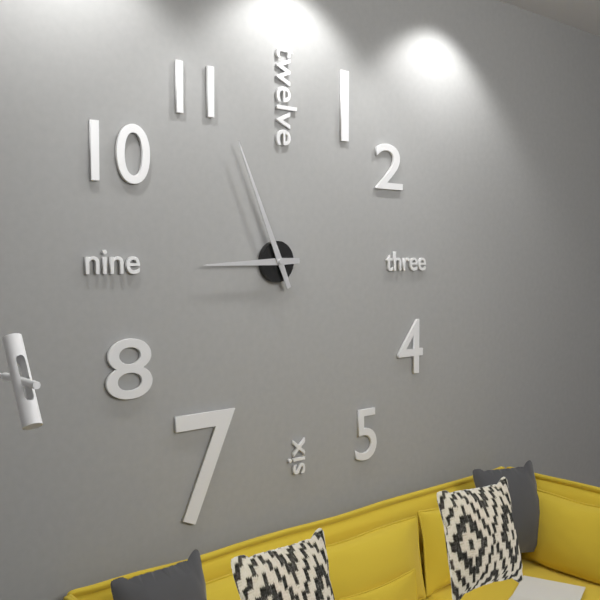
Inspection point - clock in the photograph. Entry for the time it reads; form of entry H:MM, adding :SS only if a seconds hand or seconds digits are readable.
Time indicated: 8:56
